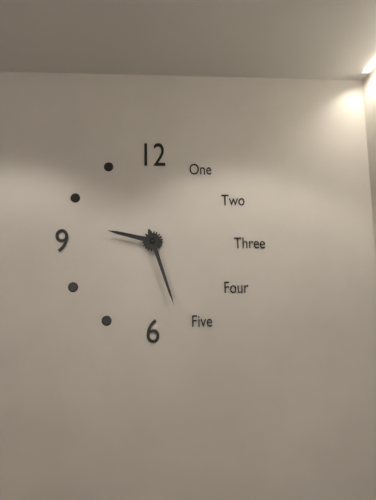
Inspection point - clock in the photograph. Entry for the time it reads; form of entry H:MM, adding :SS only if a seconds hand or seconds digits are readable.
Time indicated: 9:27
